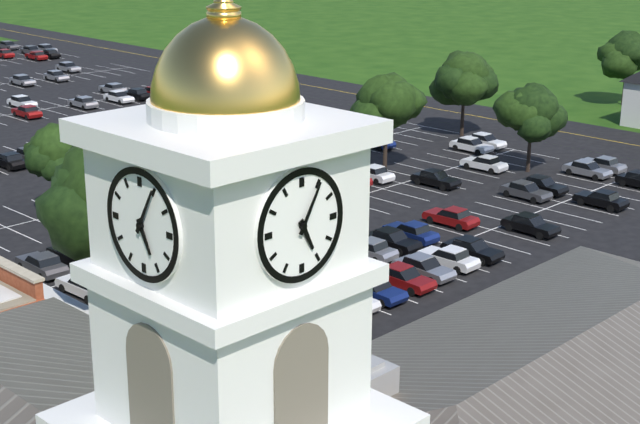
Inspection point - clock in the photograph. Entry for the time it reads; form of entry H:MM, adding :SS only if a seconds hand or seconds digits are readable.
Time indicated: 5:05
